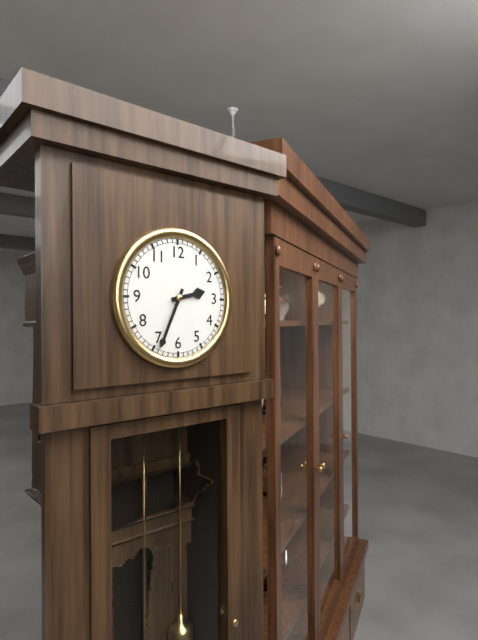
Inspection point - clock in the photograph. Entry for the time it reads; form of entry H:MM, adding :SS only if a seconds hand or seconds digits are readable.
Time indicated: 2:34
